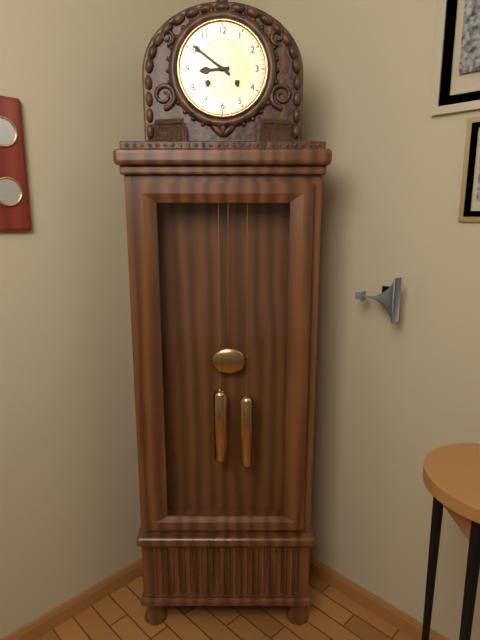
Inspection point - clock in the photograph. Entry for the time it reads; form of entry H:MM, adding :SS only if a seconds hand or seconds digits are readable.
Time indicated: 8:51
